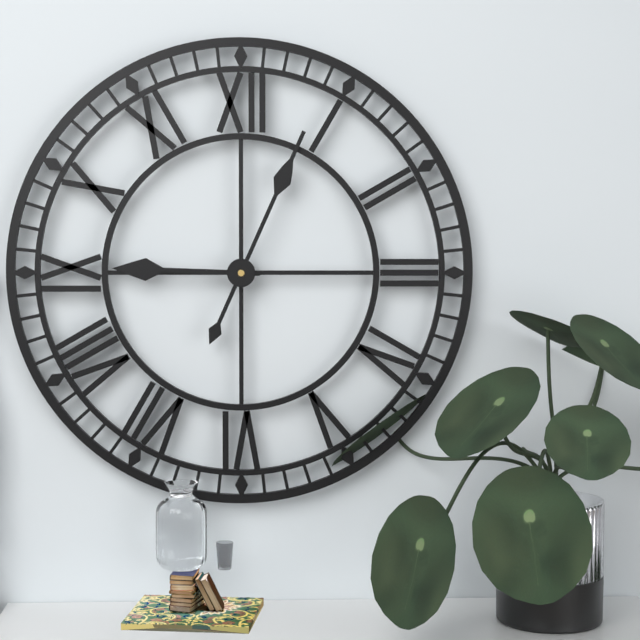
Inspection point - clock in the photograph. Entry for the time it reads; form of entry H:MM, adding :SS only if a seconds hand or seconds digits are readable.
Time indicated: 9:04
